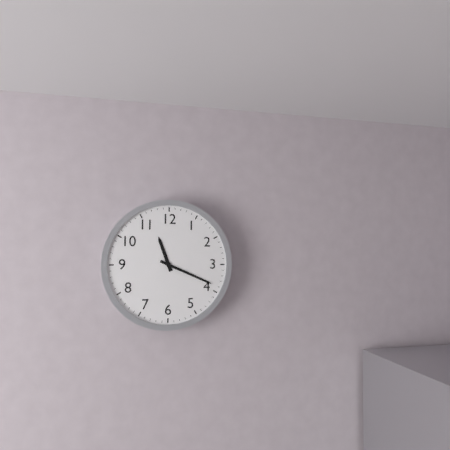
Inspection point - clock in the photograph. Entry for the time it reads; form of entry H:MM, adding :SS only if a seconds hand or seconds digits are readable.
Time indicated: 11:19
